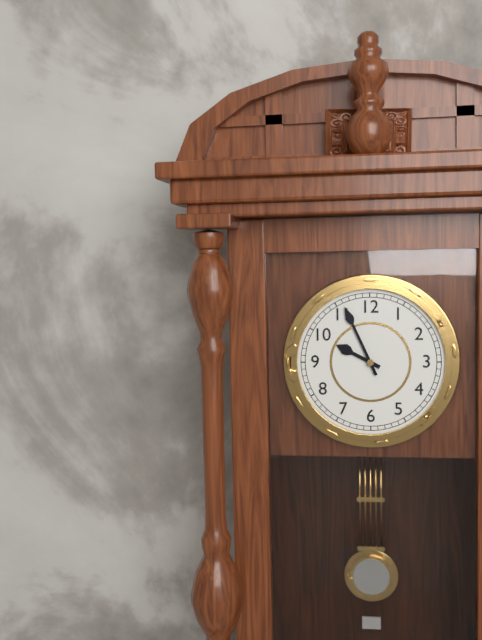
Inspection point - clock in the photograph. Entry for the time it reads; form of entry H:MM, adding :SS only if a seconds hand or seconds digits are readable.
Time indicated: 9:56
